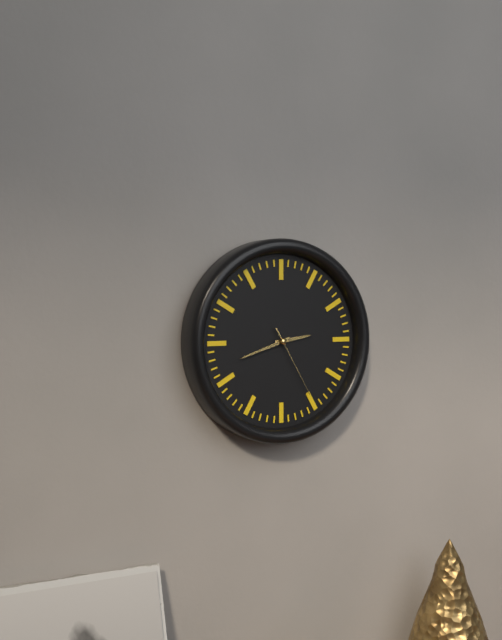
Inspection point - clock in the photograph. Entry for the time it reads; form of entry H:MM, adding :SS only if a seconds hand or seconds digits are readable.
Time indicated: 2:42:25
